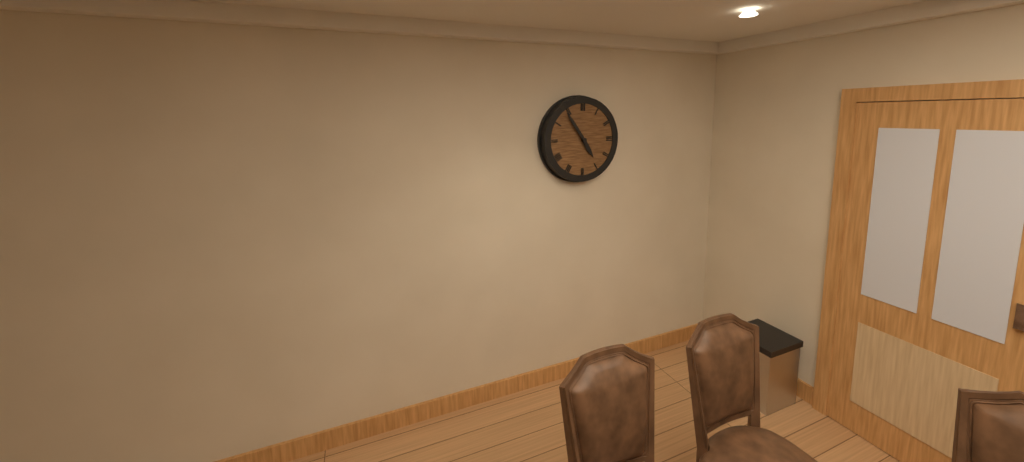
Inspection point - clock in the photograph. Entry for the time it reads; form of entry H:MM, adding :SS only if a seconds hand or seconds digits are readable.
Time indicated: 4:54
